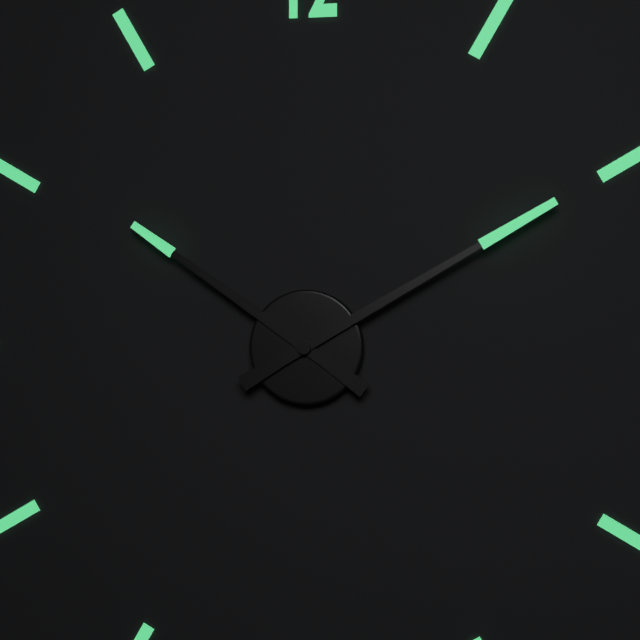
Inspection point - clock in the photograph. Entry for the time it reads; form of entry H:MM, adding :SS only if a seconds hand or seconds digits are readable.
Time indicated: 10:10
